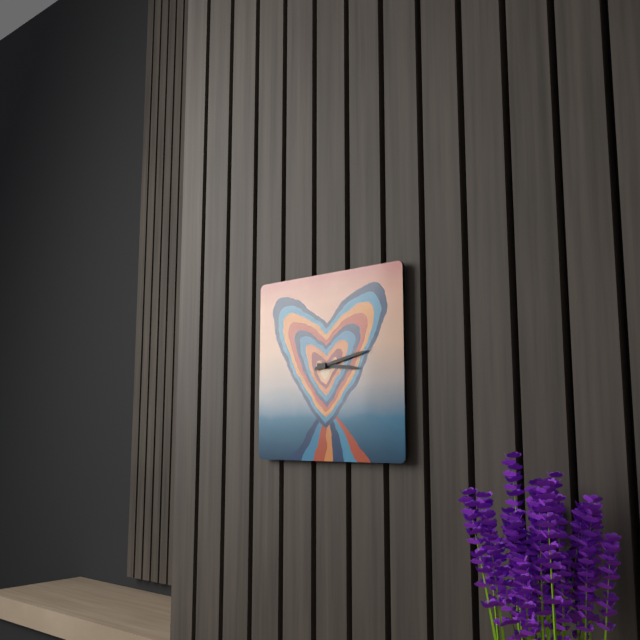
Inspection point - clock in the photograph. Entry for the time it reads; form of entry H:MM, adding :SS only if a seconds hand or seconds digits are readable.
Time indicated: 3:13
